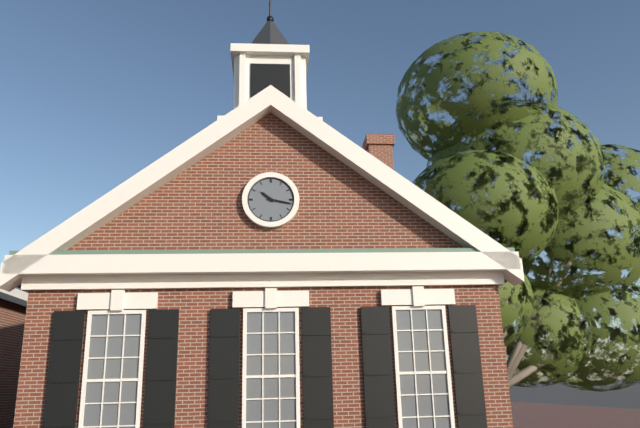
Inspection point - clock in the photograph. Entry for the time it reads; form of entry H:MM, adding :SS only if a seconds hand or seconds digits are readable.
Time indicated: 10:17
